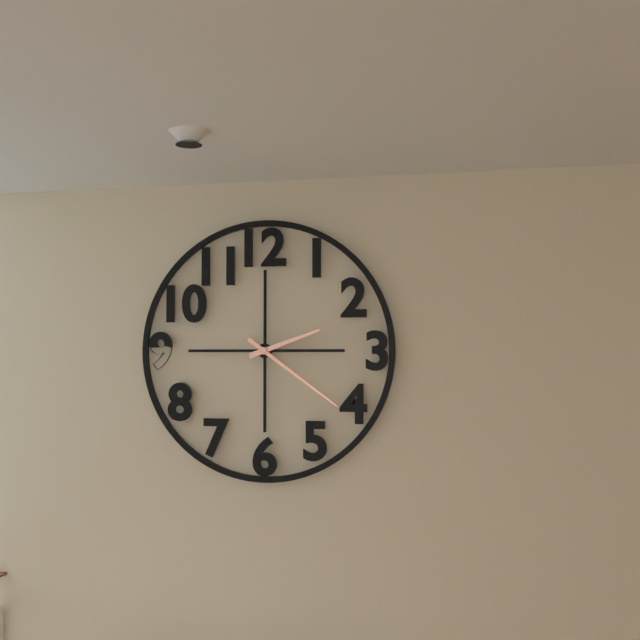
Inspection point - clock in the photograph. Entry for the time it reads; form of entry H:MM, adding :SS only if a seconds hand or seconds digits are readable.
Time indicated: 2:21
